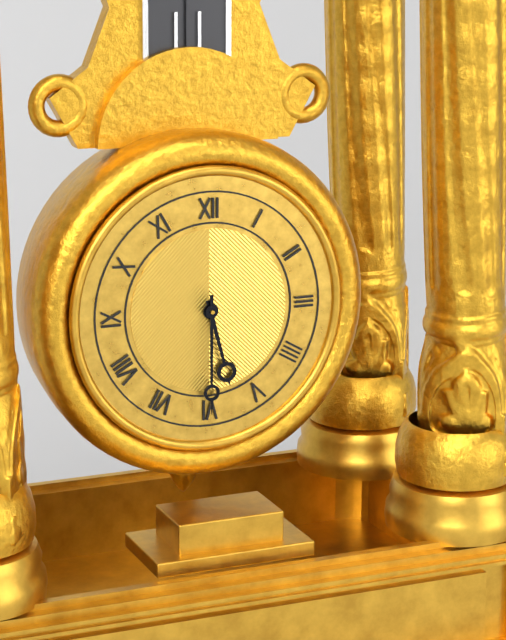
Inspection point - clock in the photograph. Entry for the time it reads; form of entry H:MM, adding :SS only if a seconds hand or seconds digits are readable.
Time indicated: 5:30
